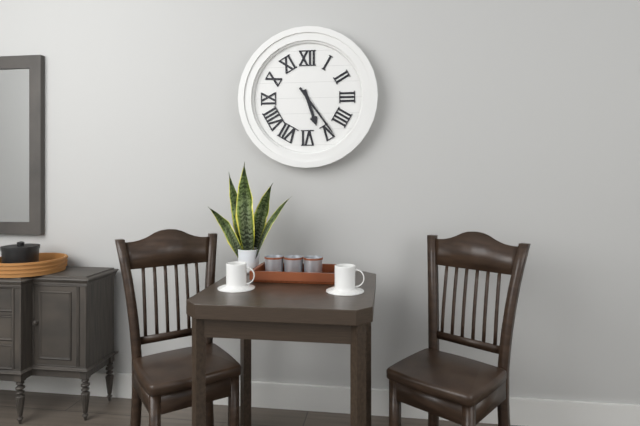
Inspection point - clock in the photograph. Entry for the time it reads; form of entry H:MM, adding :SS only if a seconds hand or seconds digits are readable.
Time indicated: 5:24
